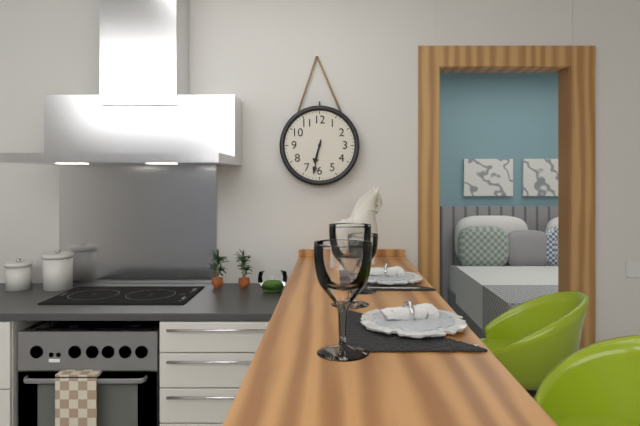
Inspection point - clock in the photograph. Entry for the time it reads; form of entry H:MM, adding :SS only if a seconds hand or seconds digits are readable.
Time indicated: 6:32
